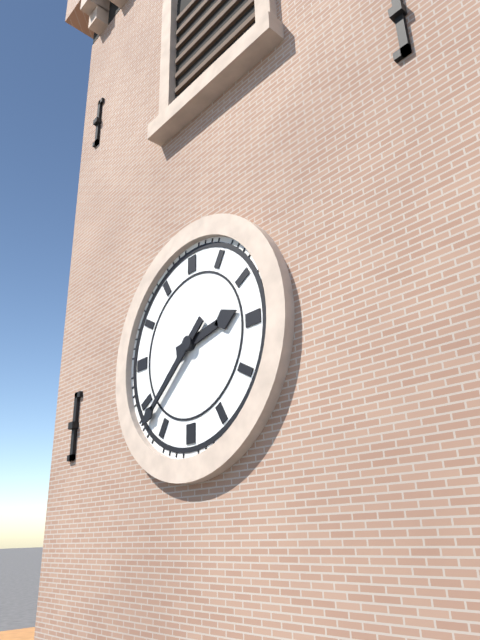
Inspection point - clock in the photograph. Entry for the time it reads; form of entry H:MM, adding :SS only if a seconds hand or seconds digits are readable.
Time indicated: 2:38
